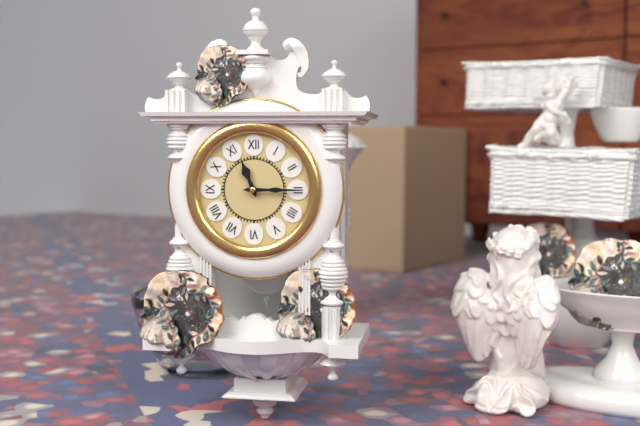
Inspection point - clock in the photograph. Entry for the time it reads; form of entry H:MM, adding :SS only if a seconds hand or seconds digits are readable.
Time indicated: 11:15
